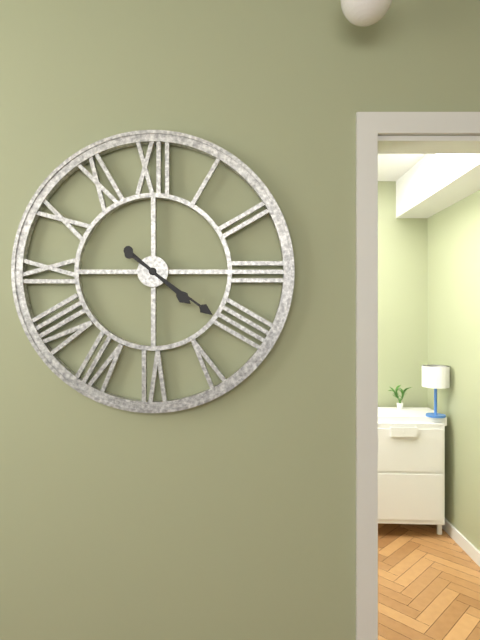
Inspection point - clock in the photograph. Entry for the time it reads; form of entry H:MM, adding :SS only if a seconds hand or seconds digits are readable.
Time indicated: 4:21
